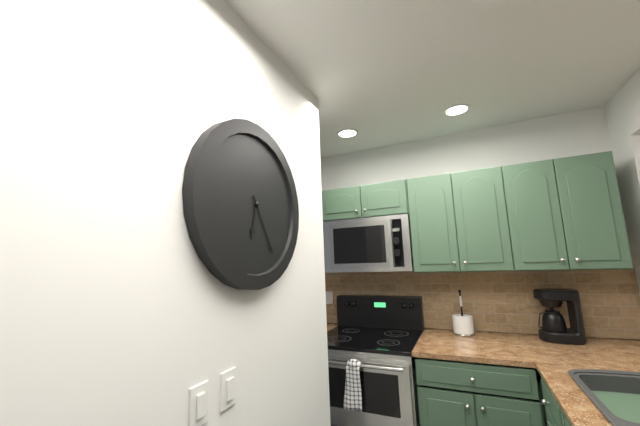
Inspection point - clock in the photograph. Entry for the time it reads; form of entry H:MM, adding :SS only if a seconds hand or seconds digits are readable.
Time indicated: 6:25
